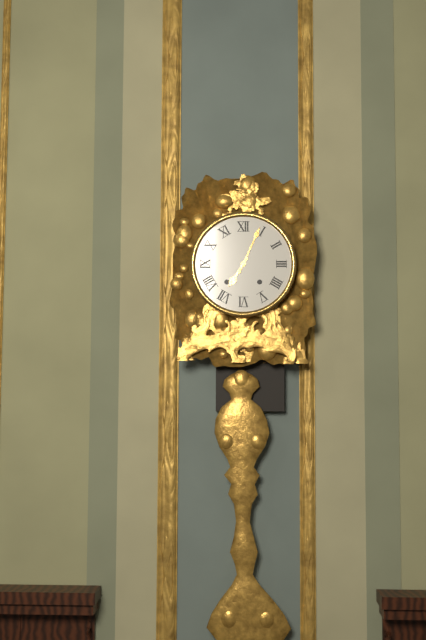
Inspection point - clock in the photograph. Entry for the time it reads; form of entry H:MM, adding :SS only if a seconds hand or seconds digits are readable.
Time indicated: 7:04
